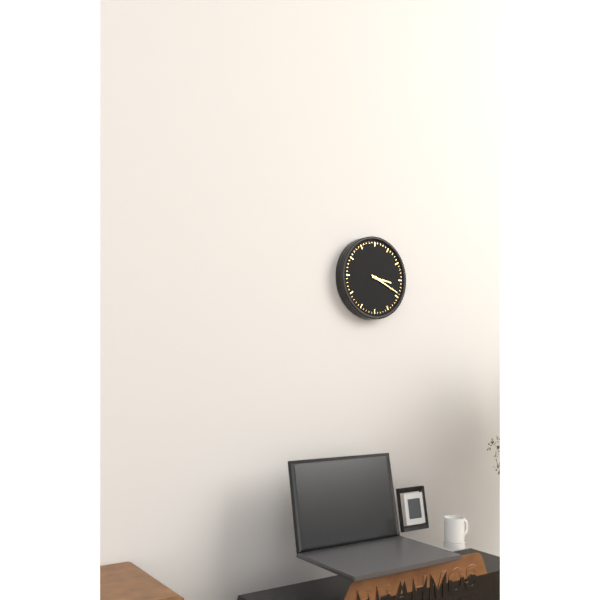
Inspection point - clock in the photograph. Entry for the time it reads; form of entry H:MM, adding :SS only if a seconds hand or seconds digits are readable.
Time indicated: 3:19
